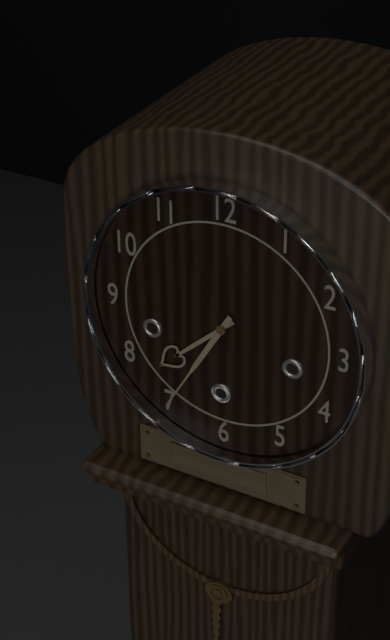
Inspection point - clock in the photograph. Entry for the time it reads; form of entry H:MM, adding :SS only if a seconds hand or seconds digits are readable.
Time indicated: 7:35
